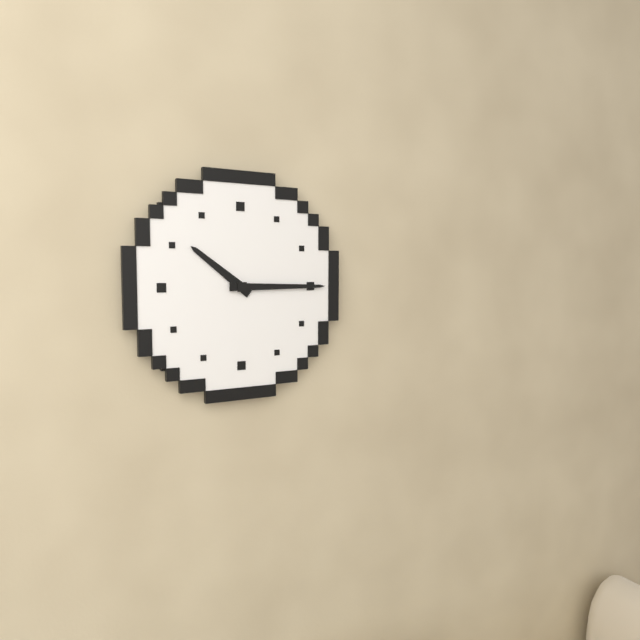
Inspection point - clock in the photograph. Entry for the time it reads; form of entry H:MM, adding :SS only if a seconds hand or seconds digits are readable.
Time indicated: 10:15
